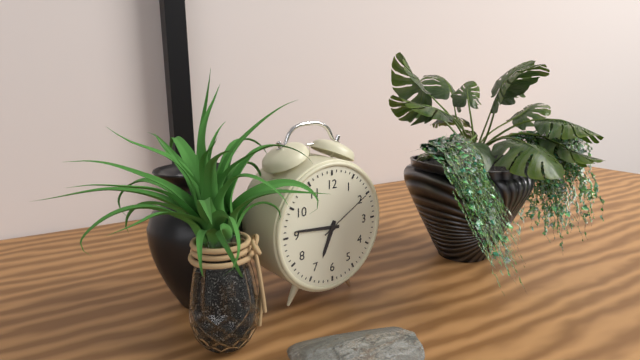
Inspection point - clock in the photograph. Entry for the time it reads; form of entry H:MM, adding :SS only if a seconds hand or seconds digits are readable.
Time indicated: 6:46:10
